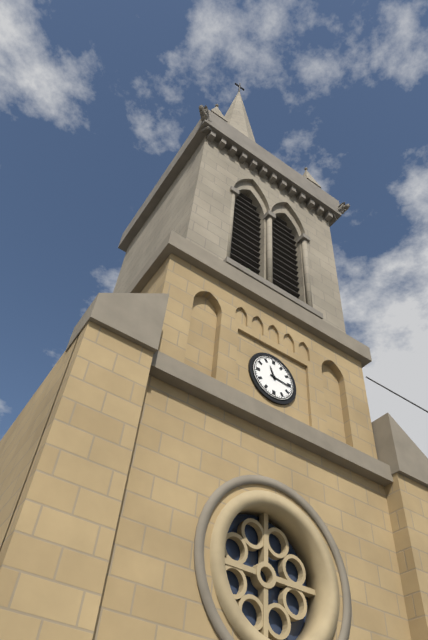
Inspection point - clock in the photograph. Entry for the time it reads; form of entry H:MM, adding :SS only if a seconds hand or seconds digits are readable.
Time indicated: 11:16
